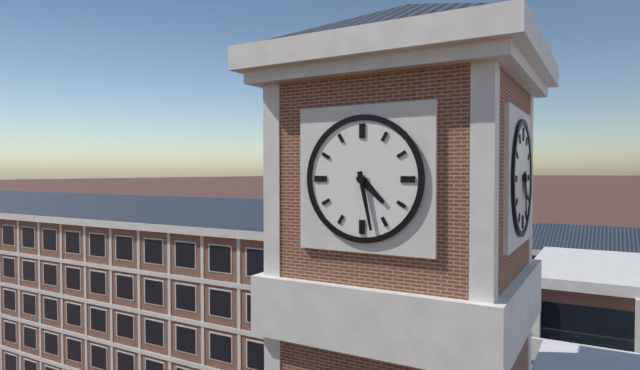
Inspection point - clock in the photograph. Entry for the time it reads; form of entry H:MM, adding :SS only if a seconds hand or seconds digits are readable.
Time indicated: 4:28
